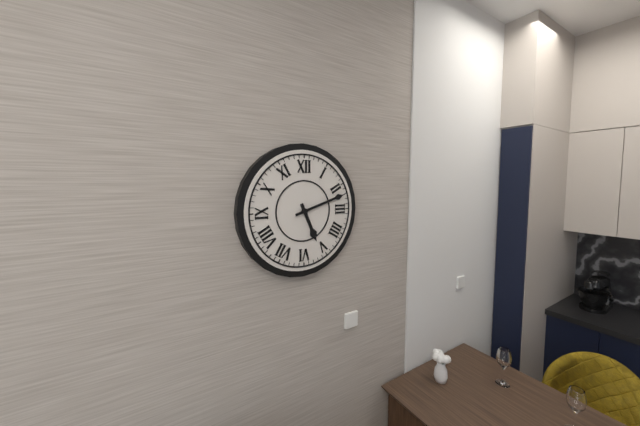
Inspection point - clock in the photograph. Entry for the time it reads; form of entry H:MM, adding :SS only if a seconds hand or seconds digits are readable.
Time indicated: 5:12
